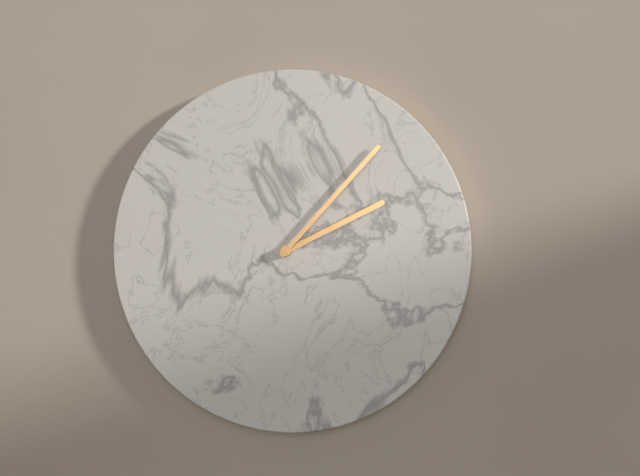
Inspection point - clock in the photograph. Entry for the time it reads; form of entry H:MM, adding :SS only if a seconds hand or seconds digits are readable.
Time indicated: 2:07
